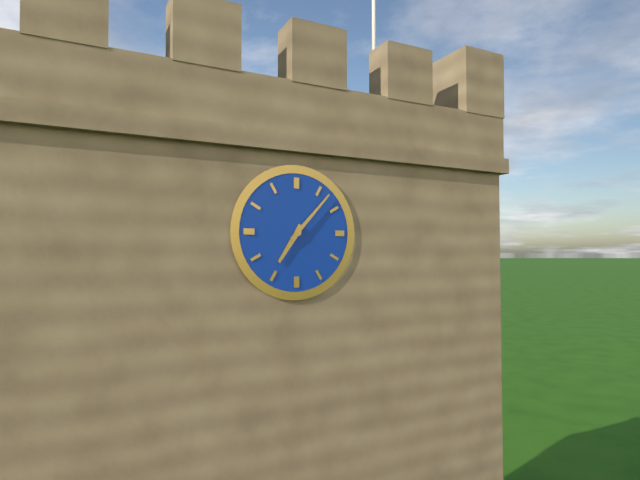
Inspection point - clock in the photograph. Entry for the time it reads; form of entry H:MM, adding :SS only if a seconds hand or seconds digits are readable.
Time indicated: 7:07
